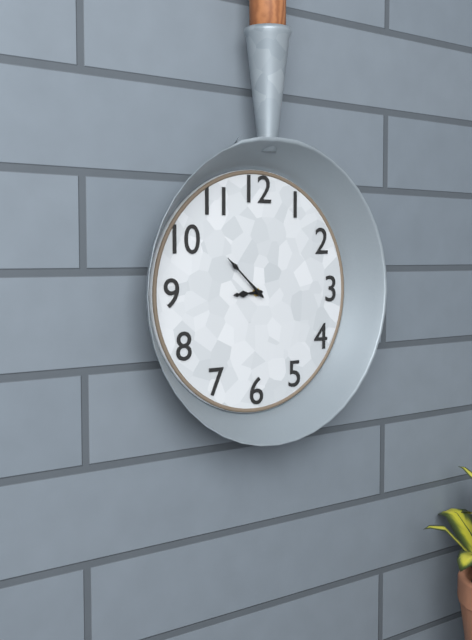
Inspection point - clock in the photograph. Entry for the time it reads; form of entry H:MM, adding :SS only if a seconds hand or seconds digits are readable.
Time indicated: 8:52
